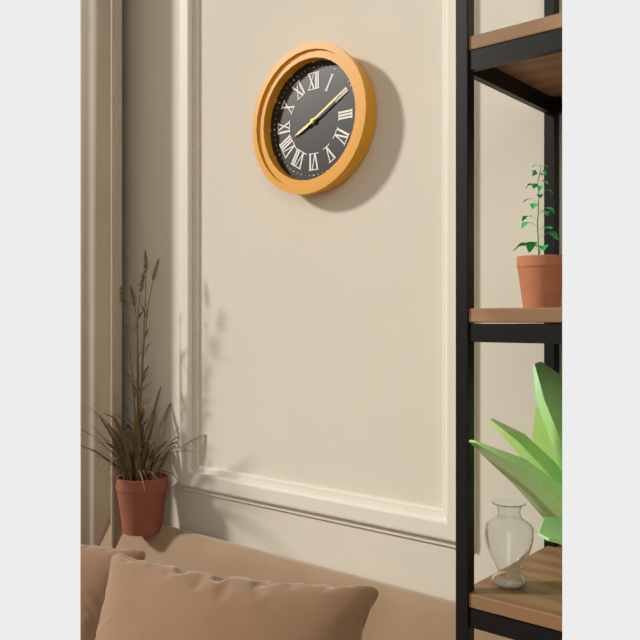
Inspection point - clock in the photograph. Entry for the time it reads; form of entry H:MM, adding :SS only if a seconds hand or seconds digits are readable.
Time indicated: 8:10
